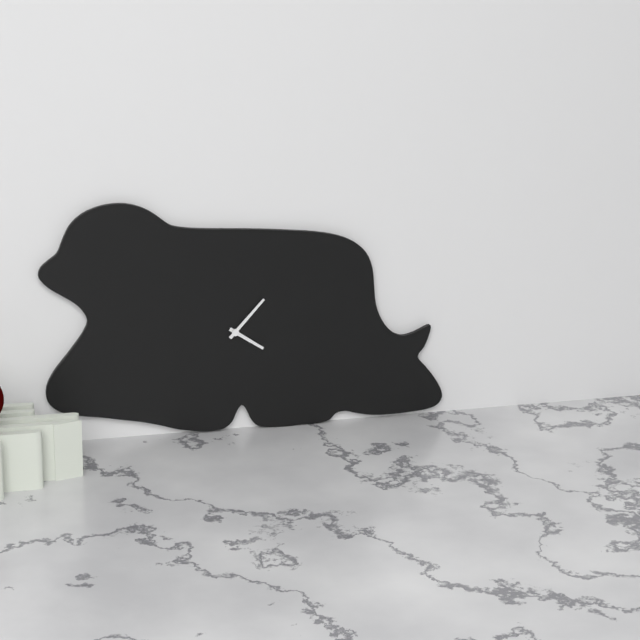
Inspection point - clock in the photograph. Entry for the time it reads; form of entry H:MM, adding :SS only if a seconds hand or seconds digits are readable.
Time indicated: 4:07
